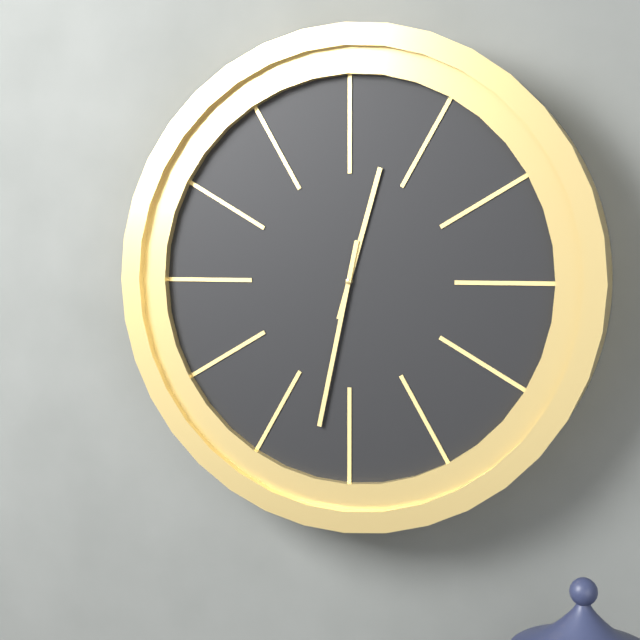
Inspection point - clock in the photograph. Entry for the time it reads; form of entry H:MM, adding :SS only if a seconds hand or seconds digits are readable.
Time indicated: 12:32
